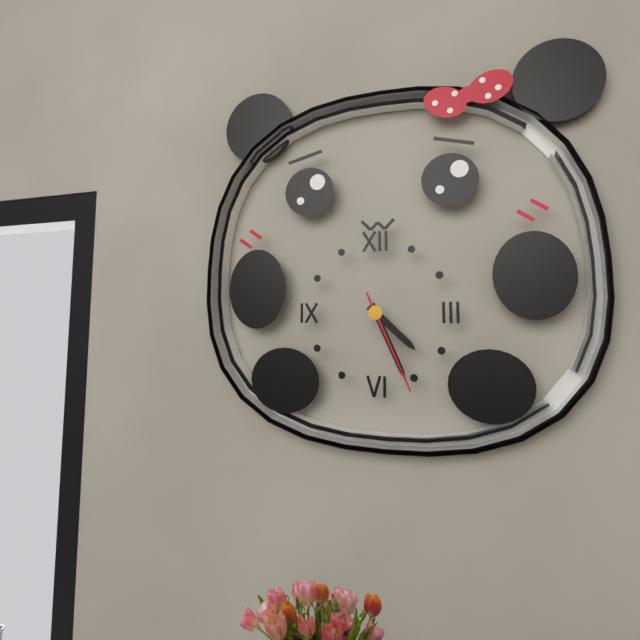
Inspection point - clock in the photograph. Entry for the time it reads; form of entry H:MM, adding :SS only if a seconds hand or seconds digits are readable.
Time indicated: 4:26:26
